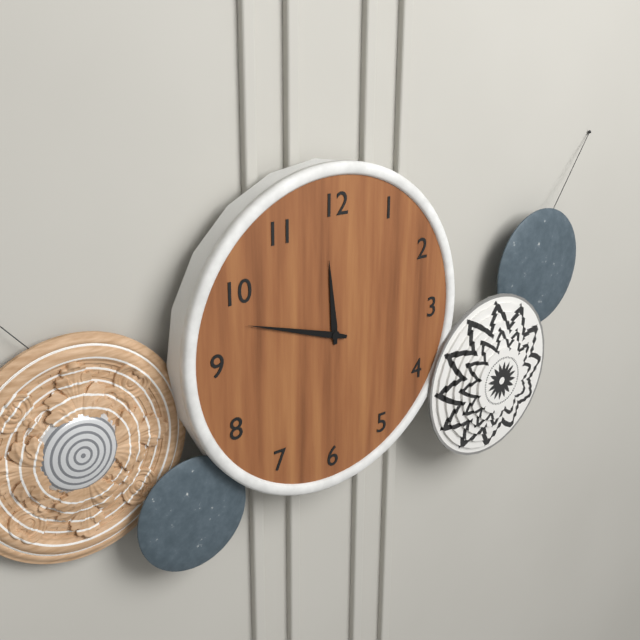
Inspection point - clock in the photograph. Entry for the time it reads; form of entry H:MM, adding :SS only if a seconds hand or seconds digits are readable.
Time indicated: 11:48
